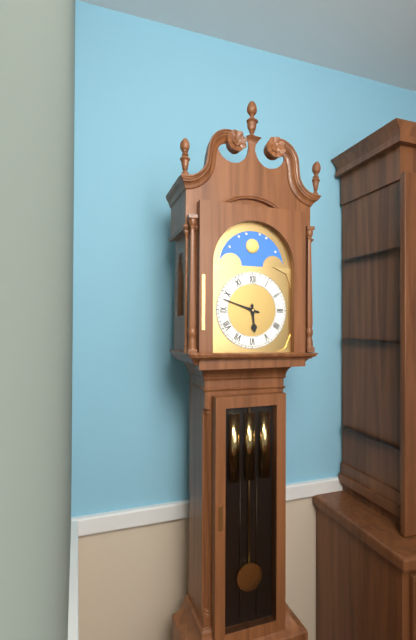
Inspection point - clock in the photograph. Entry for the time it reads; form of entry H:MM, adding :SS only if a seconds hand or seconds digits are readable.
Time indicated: 5:48
